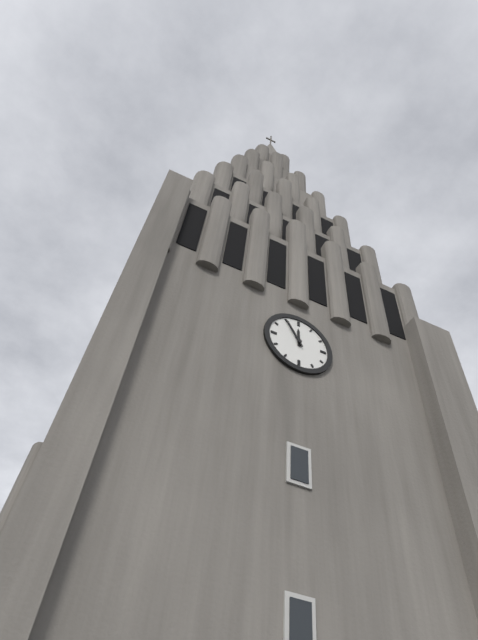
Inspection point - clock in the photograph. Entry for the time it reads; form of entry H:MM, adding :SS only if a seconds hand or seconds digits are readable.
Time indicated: 11:55
